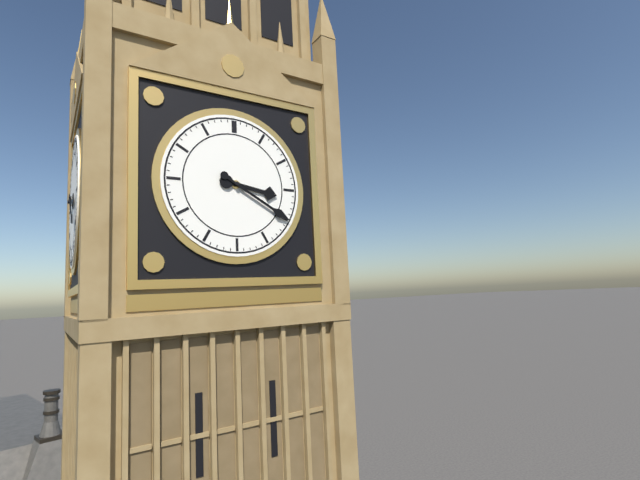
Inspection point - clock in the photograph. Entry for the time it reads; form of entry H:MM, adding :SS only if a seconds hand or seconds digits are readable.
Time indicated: 3:20
